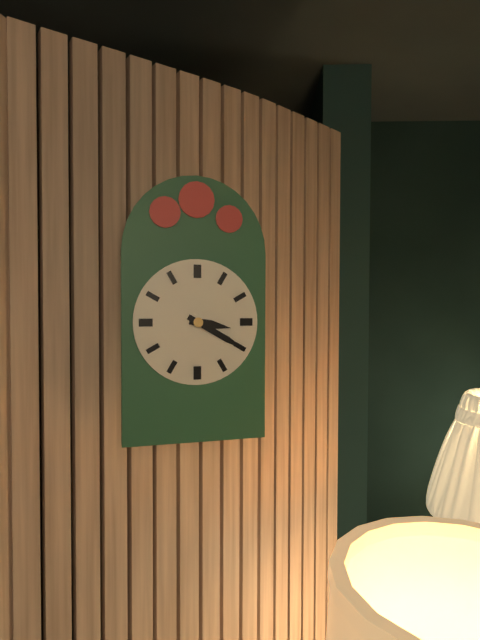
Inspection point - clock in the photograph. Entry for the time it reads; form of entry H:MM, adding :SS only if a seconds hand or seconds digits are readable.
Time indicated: 3:20
